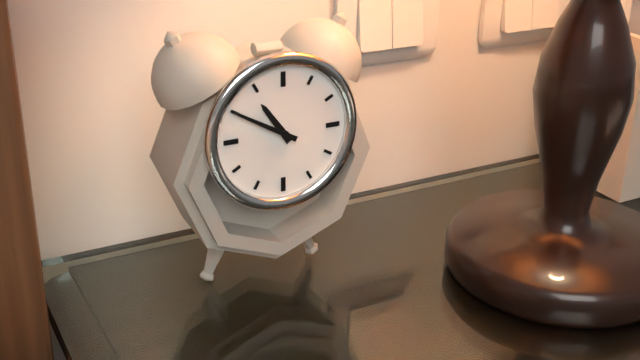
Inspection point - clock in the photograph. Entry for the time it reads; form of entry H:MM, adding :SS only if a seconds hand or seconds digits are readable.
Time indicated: 10:50
